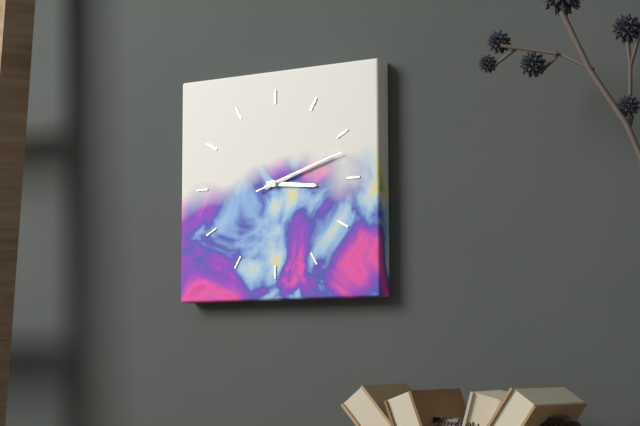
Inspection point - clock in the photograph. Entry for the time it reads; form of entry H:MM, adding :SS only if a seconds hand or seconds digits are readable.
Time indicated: 3:12:12
